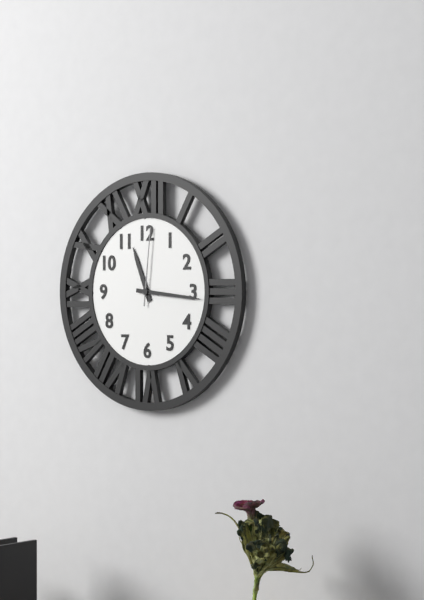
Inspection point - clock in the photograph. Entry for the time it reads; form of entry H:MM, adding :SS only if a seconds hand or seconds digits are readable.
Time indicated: 11:16:01
